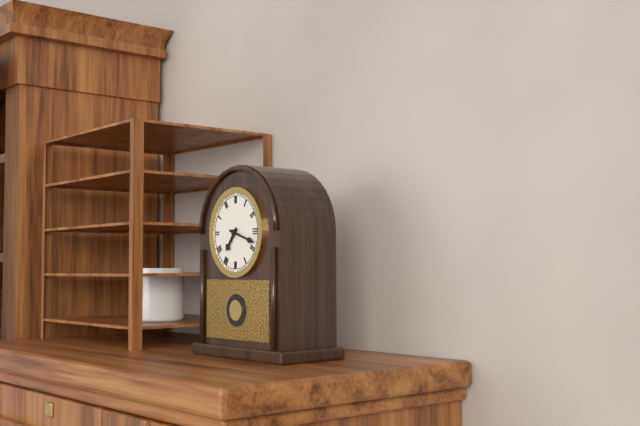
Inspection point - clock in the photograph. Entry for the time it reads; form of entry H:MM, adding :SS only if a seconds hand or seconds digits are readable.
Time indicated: 7:18
